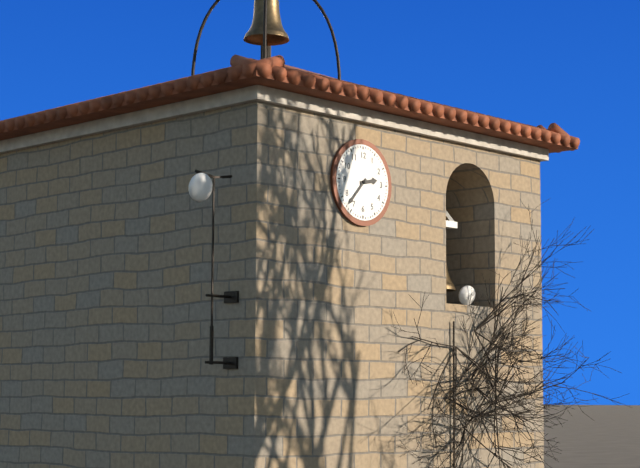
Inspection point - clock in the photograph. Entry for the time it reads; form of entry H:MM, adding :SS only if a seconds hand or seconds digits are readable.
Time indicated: 2:37
